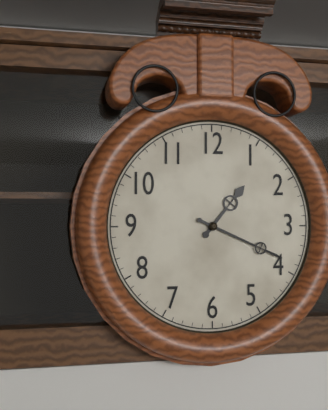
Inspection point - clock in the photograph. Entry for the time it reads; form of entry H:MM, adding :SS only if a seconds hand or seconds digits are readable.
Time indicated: 1:19
